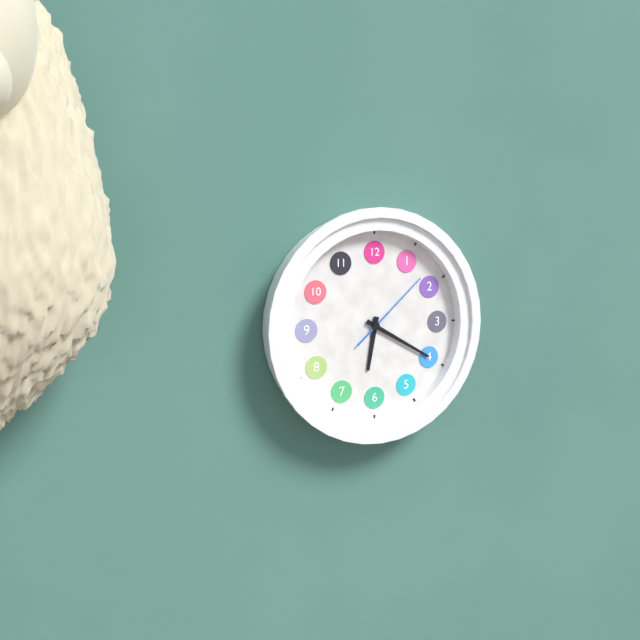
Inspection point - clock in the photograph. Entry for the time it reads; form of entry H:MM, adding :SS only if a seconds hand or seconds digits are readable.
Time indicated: 6:20:08
